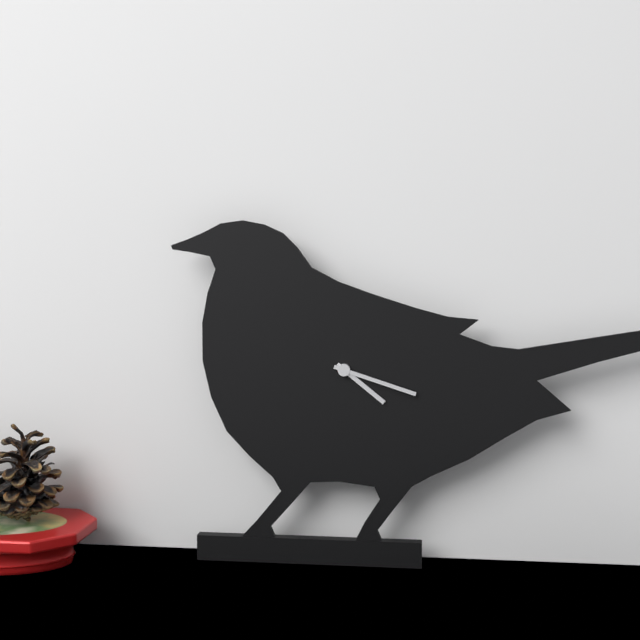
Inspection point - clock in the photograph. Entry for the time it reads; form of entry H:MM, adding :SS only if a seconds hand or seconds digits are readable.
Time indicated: 4:18
